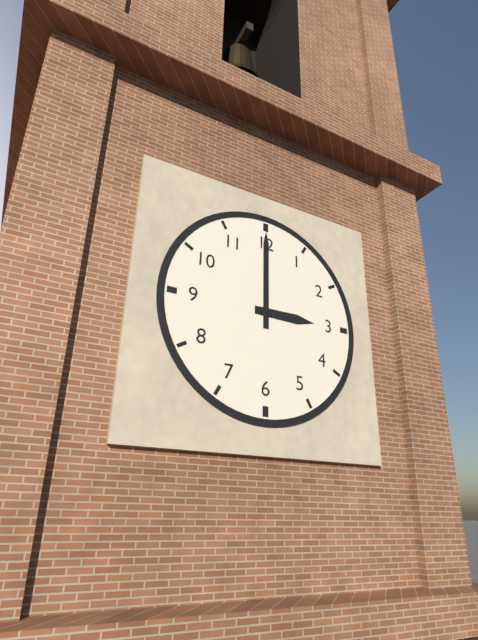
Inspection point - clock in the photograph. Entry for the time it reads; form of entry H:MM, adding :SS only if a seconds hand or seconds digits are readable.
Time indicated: 3:00
